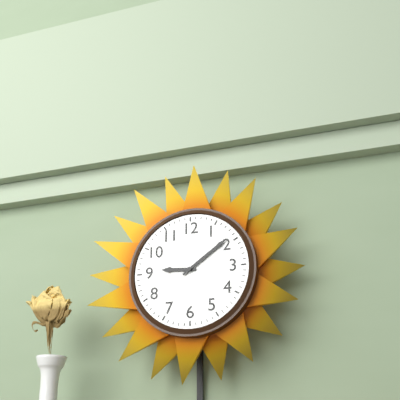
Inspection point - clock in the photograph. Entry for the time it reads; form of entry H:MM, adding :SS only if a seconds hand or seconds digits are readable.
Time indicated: 9:09
